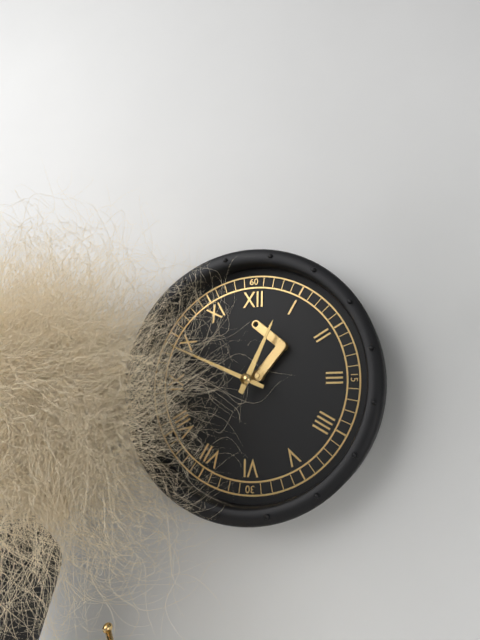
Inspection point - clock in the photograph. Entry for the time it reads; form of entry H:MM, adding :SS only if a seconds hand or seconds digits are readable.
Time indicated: 12:49
